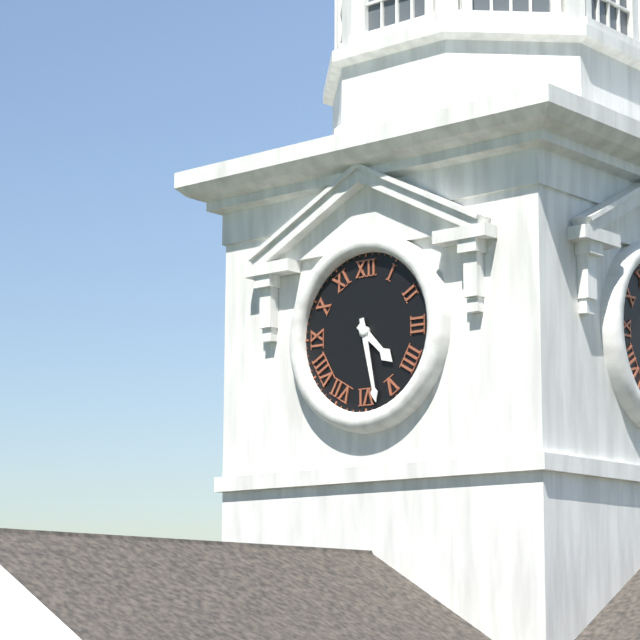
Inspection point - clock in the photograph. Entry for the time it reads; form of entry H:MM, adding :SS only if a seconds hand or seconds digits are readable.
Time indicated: 4:28
